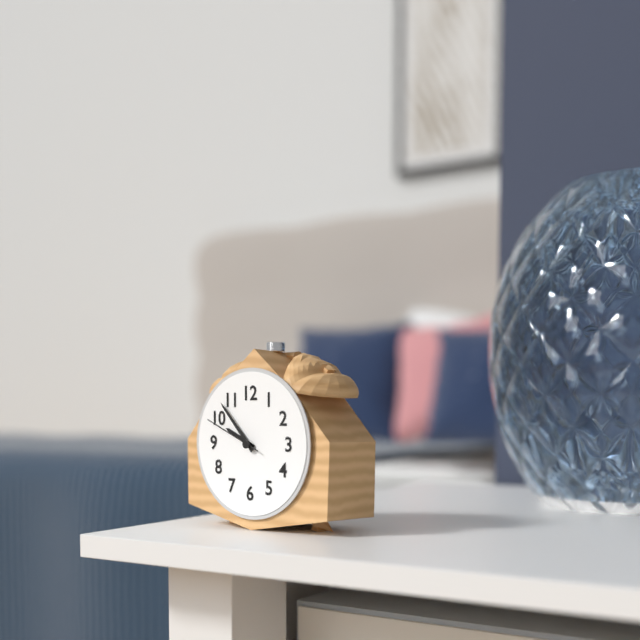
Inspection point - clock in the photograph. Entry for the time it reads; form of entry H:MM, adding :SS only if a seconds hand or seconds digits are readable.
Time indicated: 9:53:49
